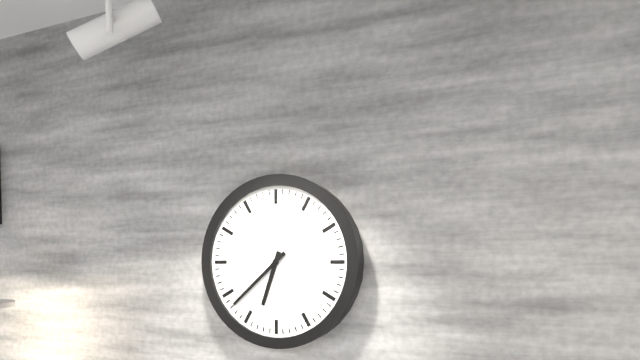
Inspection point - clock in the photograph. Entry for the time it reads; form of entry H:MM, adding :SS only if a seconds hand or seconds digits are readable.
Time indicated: 6:38
